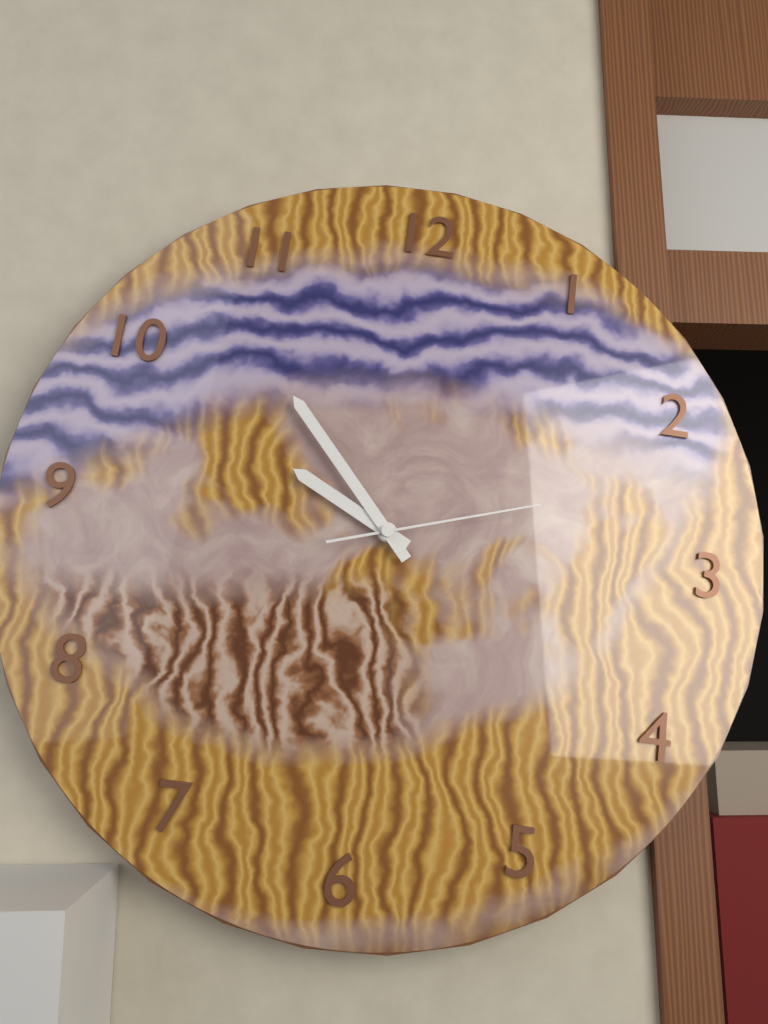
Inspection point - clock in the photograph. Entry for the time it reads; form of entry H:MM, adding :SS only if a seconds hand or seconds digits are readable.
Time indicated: 9:53:12
